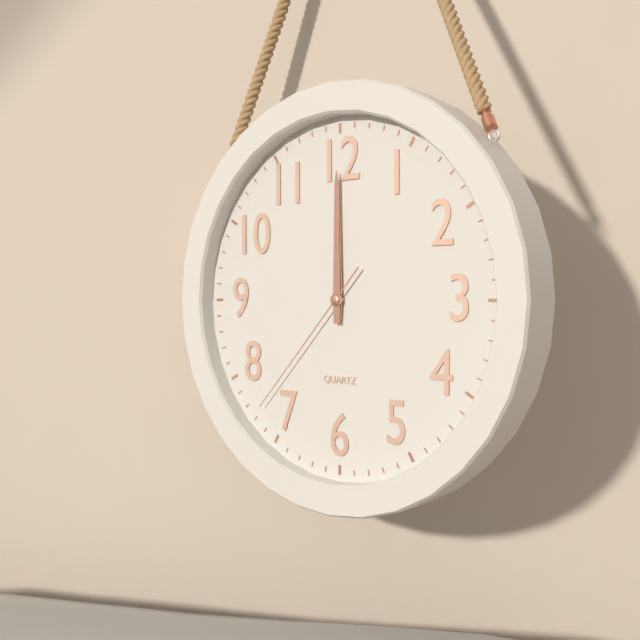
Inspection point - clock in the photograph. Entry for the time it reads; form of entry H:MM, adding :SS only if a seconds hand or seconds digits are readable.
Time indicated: 12:00:37
